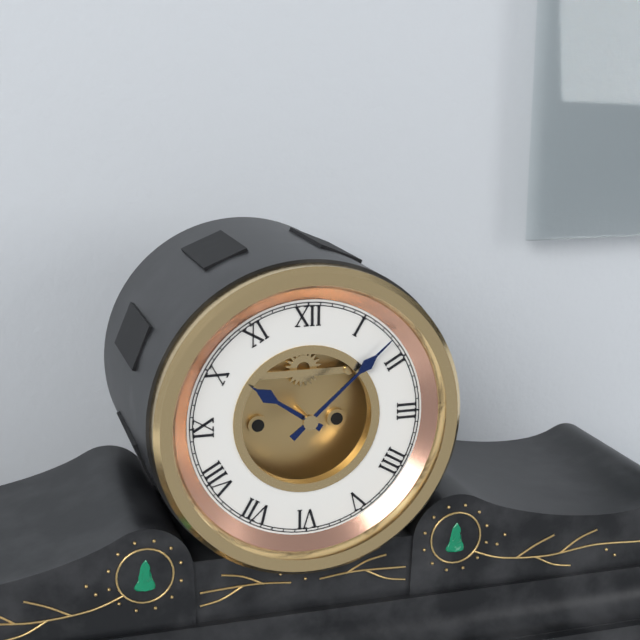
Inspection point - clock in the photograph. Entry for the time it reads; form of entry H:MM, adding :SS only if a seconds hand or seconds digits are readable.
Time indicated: 10:08
